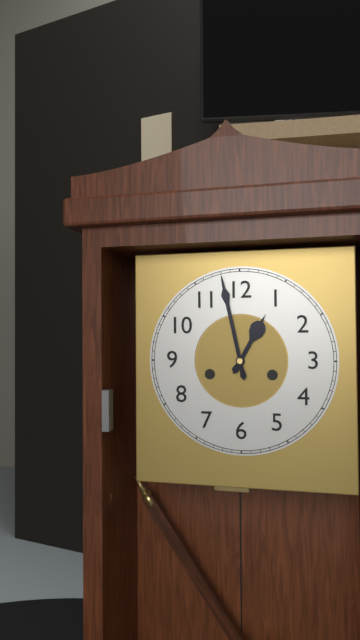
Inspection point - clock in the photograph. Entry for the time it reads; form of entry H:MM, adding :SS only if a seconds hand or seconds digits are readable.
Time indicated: 12:58
